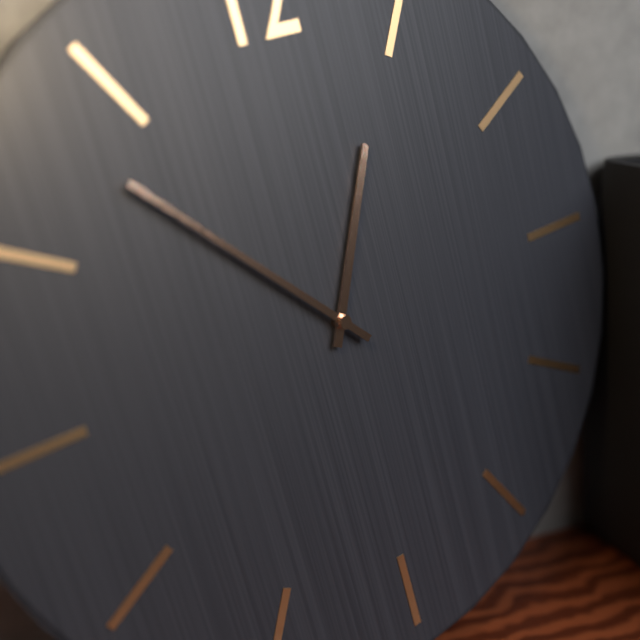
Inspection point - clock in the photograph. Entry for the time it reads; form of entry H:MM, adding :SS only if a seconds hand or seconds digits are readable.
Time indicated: 12:53
